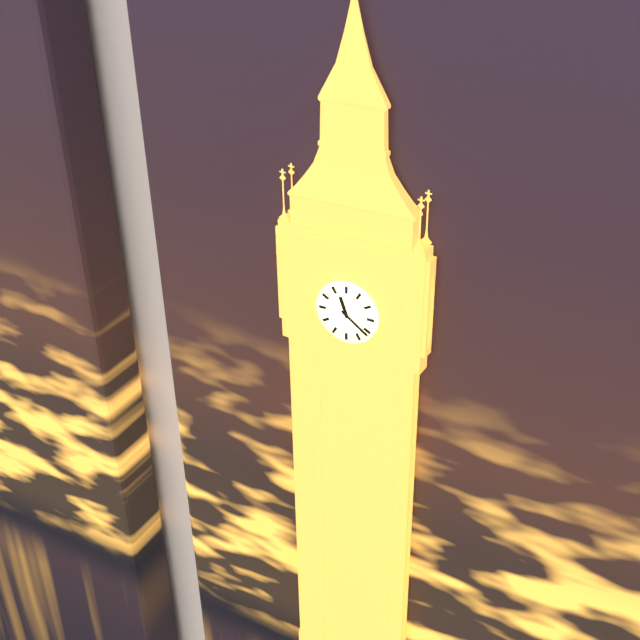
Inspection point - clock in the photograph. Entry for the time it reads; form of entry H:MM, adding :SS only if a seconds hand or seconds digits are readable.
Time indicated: 11:21
